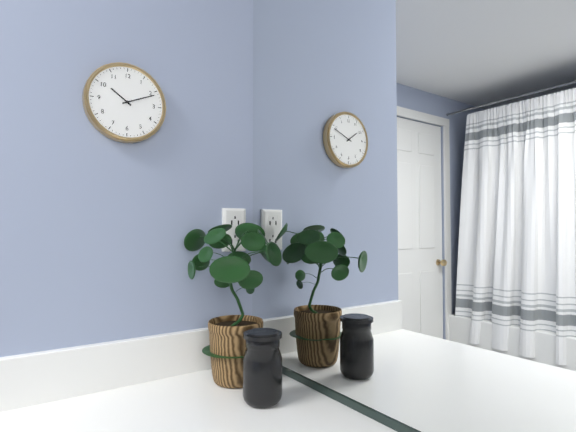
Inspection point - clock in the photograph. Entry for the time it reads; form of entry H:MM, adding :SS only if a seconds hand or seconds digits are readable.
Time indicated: 10:11
